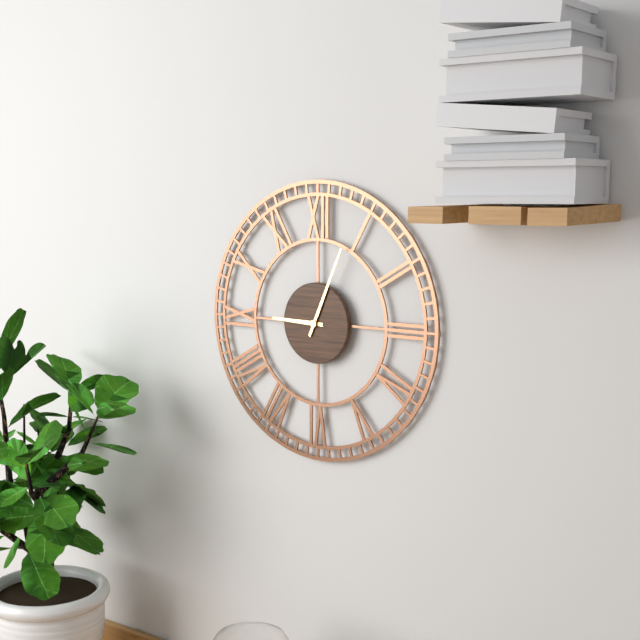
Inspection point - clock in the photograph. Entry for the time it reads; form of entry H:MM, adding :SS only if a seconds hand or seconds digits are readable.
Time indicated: 9:04
